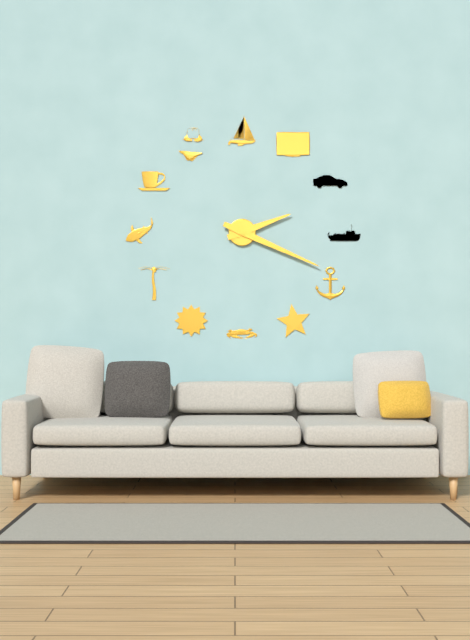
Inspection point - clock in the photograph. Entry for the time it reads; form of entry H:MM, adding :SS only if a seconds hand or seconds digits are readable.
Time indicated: 2:19
